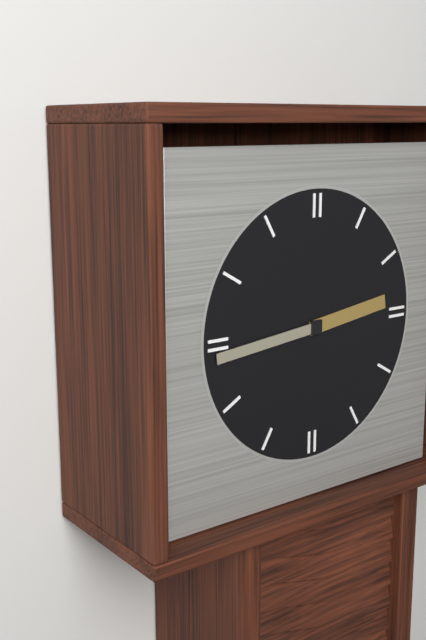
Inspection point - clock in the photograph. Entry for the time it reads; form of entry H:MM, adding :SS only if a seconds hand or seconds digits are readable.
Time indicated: 2:44
